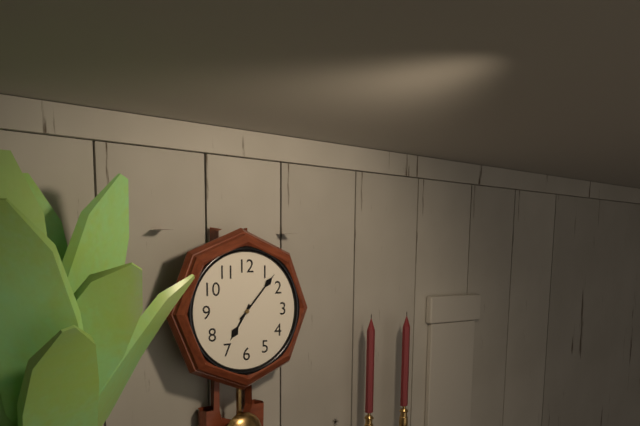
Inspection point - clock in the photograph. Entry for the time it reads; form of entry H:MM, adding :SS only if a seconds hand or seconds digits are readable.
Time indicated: 7:07
